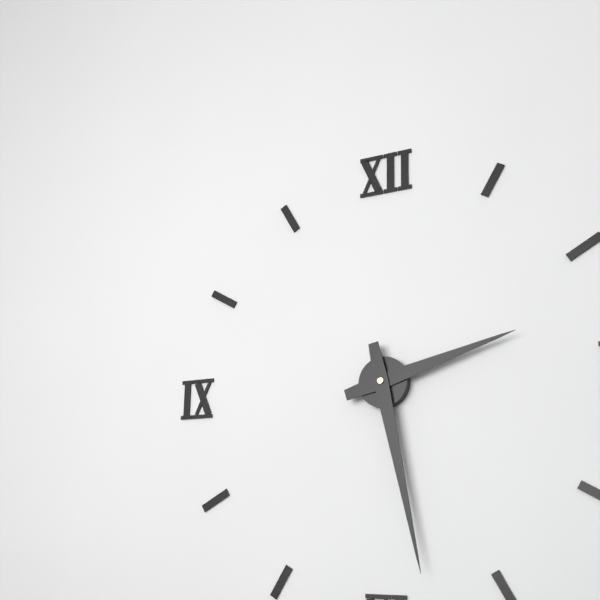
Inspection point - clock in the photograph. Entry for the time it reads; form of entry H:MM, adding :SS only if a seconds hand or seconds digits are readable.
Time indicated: 2:28
